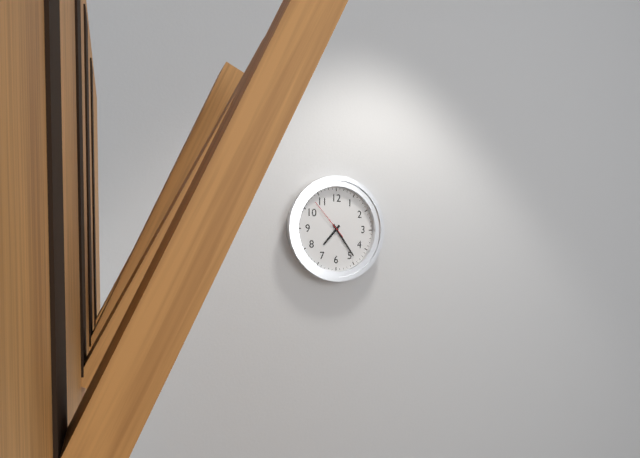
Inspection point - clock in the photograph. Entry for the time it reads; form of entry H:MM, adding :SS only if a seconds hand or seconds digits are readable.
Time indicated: 7:24
